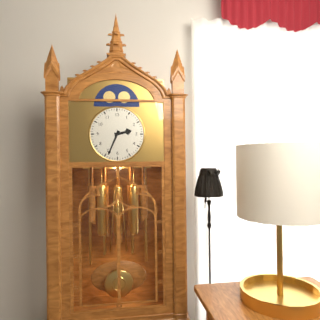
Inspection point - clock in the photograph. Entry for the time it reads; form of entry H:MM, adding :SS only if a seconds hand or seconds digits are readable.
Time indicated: 2:34
